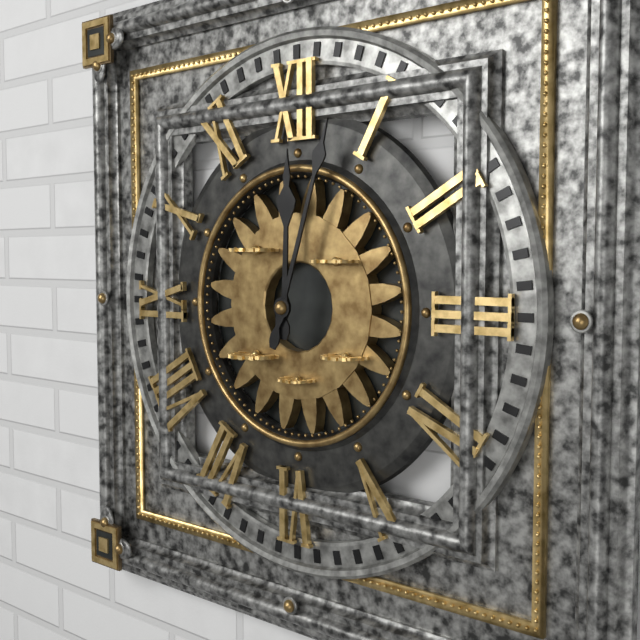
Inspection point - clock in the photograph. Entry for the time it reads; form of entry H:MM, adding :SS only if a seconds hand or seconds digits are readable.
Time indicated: 12:03
